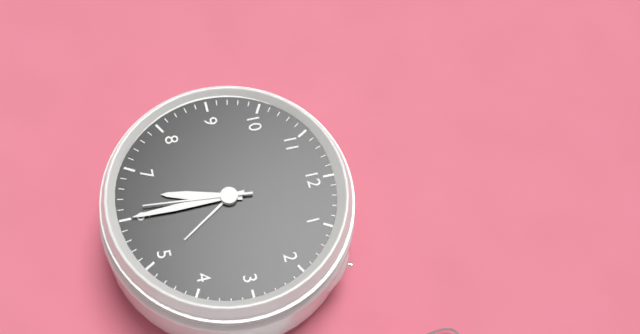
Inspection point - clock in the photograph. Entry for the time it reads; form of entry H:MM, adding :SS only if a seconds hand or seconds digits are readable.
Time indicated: 6:30:31
